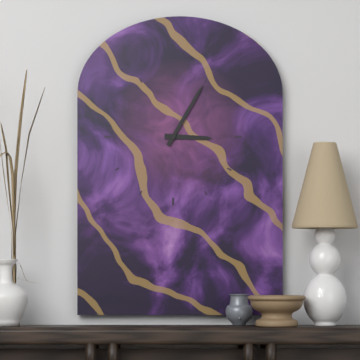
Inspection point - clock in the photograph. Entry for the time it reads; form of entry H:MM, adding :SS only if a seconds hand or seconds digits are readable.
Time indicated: 3:05
